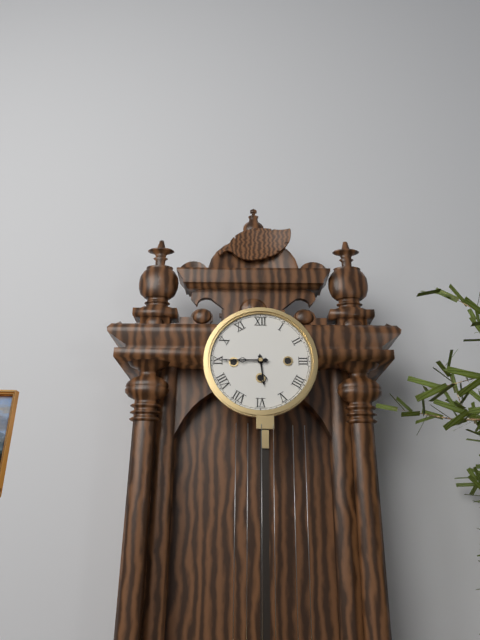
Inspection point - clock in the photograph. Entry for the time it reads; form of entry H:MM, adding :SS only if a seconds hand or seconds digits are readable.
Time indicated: 5:45
